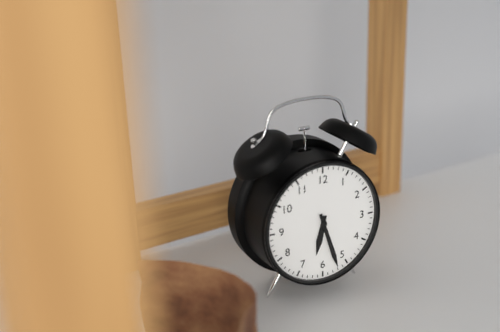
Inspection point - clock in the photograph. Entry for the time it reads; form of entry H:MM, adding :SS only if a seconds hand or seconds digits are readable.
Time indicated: 6:27
